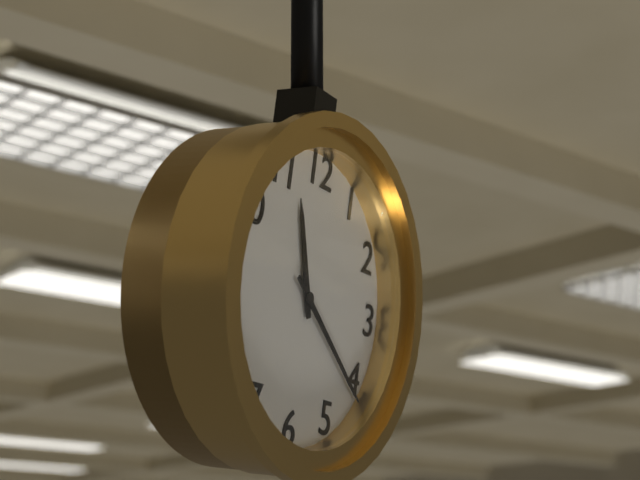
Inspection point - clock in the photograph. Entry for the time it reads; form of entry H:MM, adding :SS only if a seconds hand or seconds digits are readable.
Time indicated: 11:21
